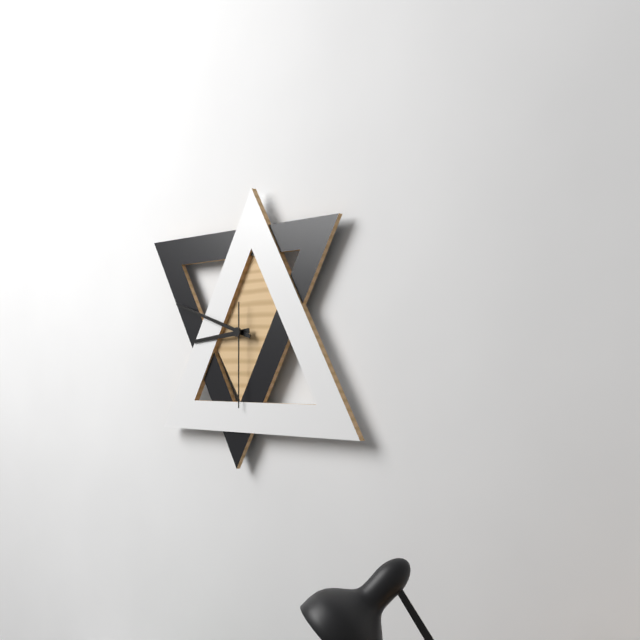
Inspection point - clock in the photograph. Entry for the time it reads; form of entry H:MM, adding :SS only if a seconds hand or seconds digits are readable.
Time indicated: 8:48:30
